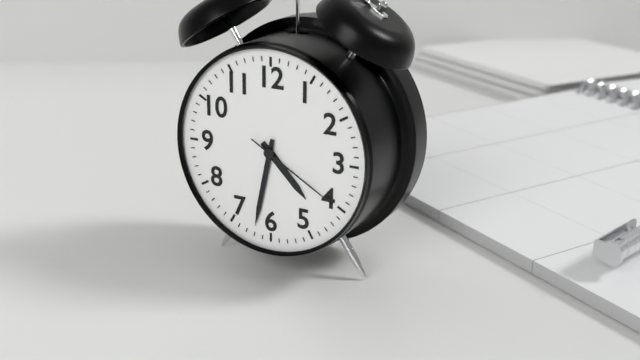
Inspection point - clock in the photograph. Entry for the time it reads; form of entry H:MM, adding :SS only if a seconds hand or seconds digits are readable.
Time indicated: 4:32:20
